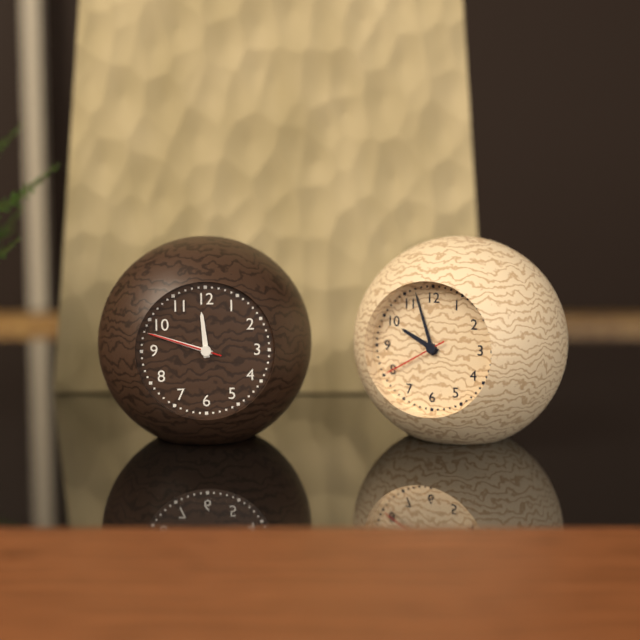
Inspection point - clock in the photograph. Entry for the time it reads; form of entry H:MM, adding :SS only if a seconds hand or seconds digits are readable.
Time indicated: 11:48:48
